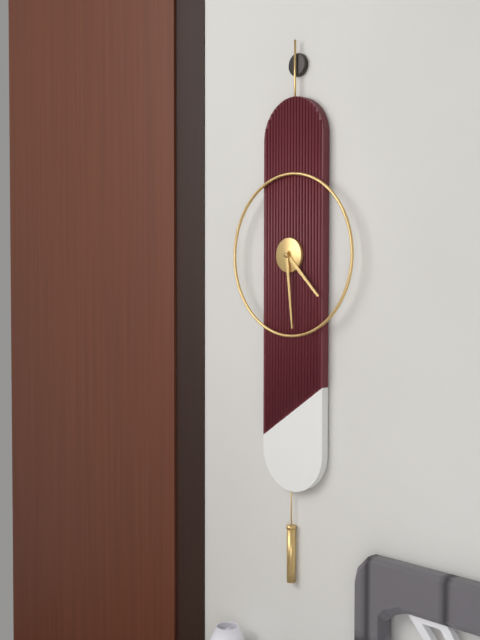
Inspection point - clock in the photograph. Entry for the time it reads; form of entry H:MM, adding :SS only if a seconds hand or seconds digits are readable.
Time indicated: 4:29
